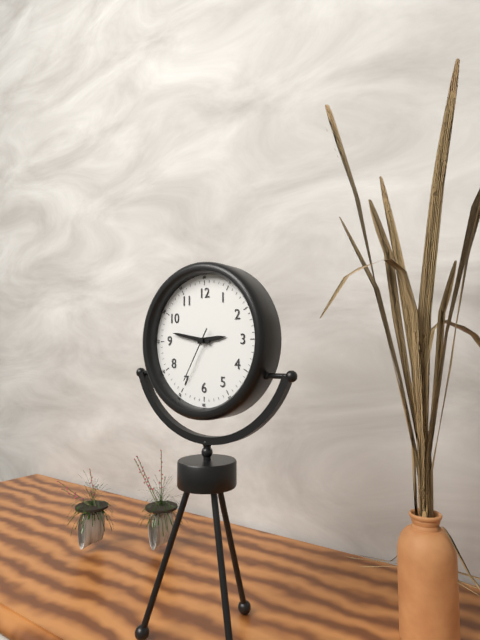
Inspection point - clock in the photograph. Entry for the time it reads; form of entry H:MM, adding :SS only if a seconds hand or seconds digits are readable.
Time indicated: 2:47:35
